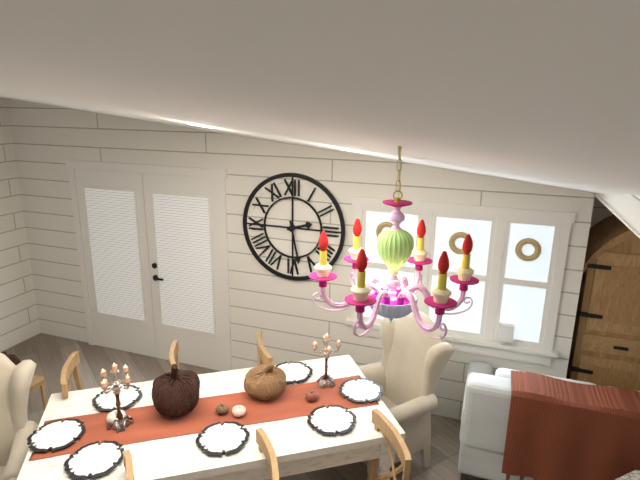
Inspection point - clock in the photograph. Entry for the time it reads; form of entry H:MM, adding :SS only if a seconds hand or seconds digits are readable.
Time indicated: 2:28
